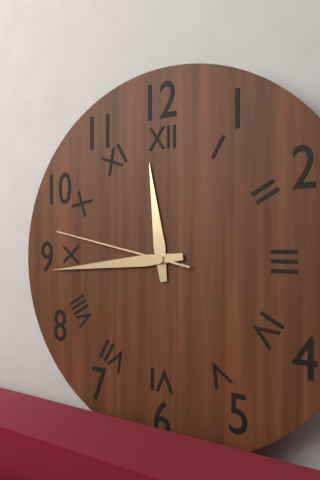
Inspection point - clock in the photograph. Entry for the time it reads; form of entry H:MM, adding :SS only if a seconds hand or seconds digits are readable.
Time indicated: 11:44:47
